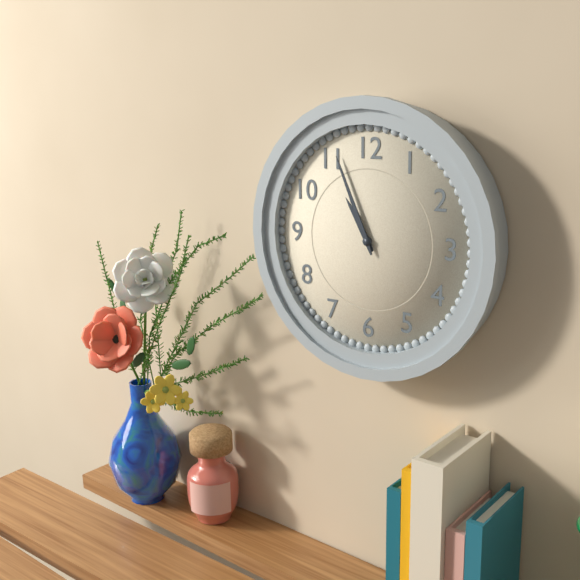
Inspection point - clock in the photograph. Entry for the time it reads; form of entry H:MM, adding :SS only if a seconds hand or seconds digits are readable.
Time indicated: 10:56
